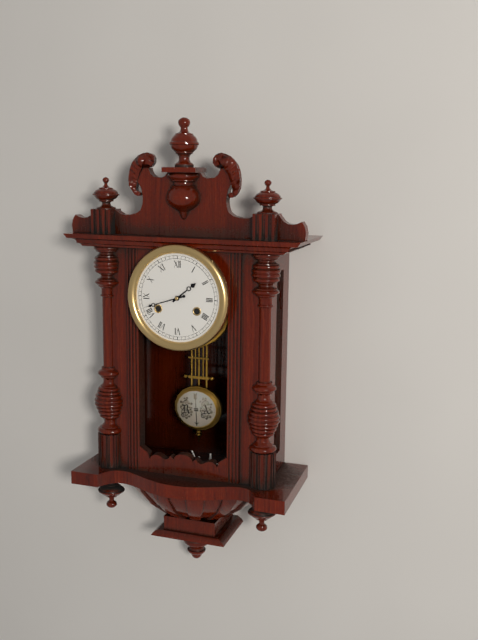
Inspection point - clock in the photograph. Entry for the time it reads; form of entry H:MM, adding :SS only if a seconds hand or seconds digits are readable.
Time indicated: 1:42
